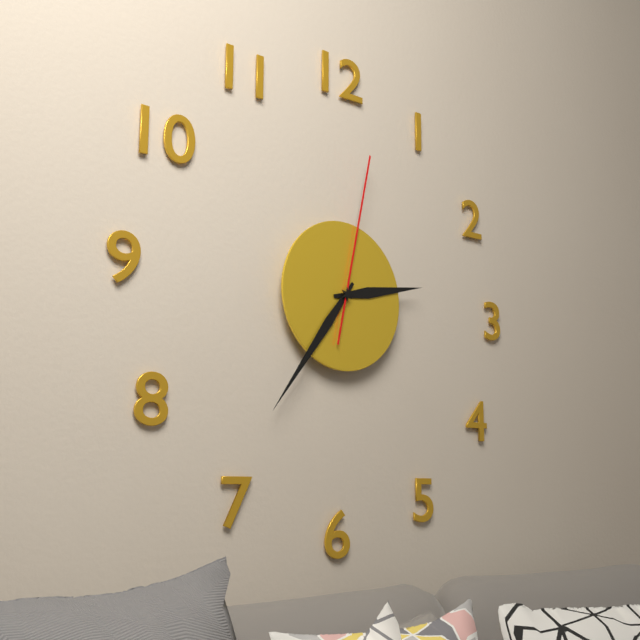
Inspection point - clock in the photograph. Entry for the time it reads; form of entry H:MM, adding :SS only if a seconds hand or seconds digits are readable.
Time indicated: 2:36:02
